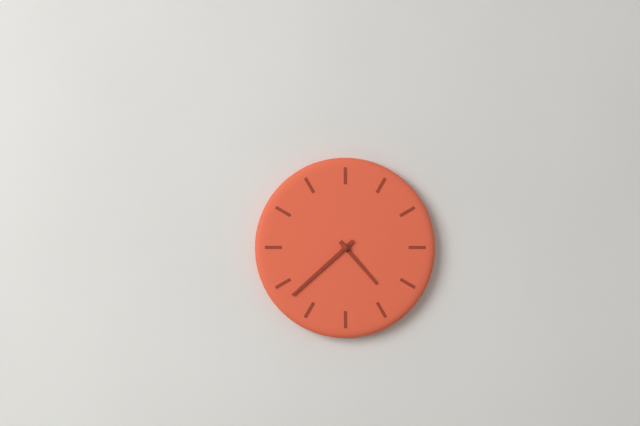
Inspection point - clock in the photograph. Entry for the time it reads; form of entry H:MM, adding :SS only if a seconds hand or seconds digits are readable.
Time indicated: 4:38
